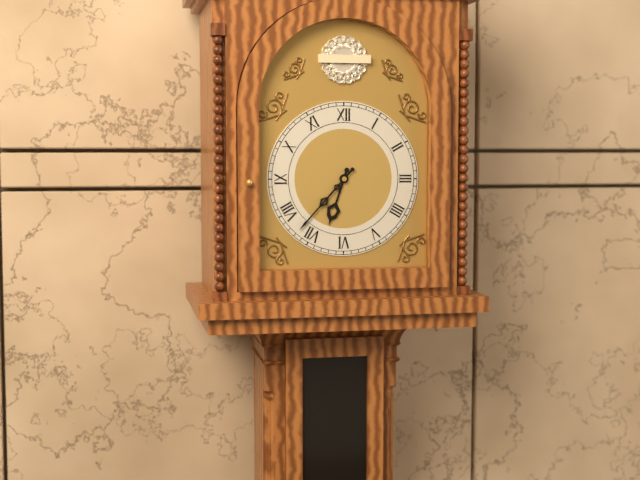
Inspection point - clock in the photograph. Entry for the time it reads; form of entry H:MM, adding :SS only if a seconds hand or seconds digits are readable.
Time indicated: 6:37
